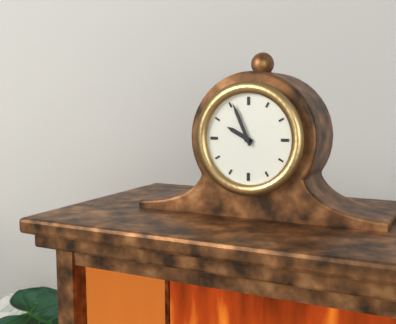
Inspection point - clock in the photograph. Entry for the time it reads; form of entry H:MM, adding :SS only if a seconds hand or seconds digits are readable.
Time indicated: 9:56
